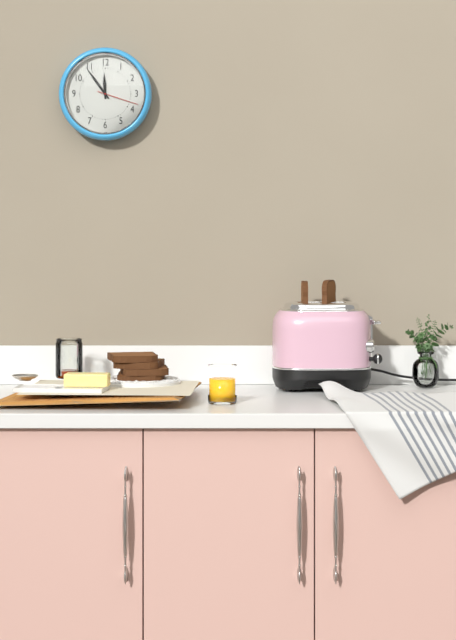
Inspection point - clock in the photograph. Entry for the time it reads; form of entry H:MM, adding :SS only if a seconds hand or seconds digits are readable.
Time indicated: 11:54
